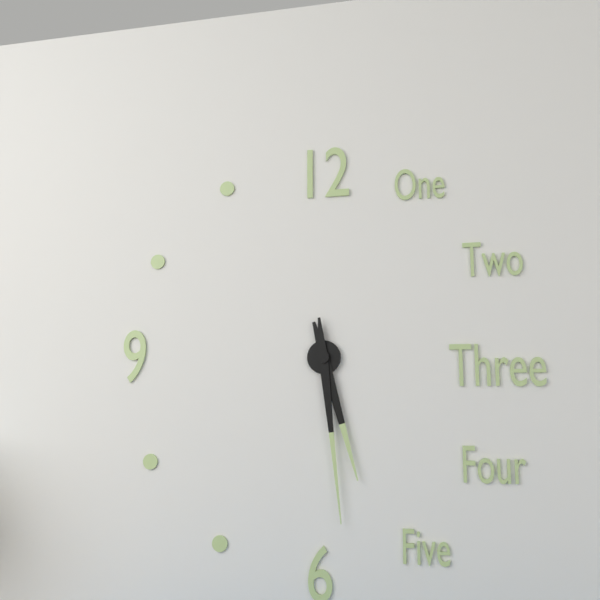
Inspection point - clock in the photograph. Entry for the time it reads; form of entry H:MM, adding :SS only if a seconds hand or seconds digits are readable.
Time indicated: 5:29
